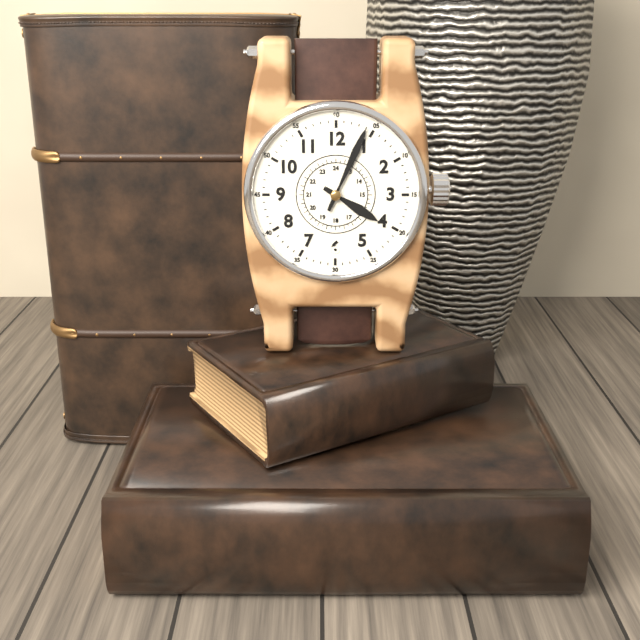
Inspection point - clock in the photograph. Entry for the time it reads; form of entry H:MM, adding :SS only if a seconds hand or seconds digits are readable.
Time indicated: 4:04
